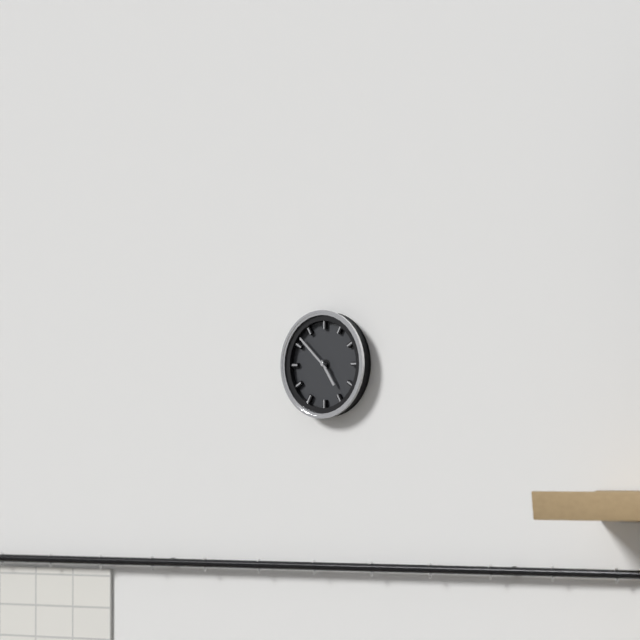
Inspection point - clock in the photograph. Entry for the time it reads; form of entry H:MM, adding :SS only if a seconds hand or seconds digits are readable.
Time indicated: 4:52
